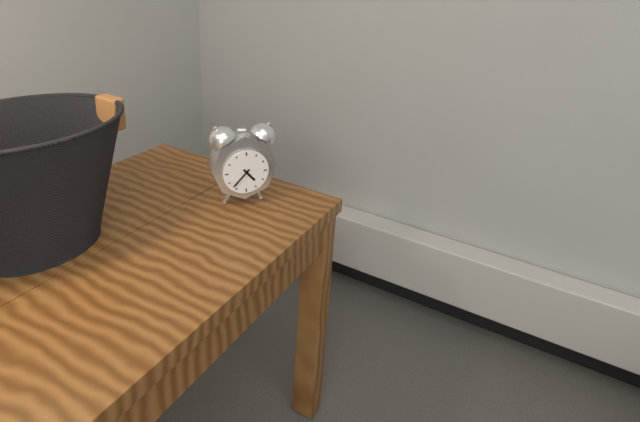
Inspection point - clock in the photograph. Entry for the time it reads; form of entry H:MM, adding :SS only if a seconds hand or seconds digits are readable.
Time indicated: 4:37
